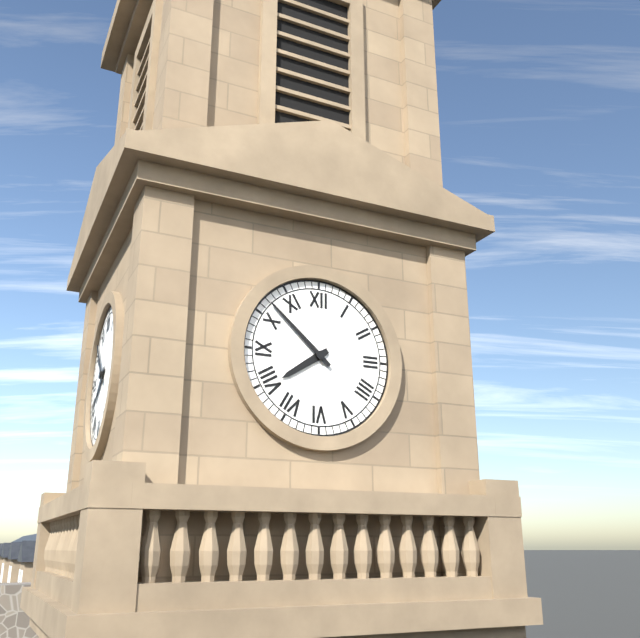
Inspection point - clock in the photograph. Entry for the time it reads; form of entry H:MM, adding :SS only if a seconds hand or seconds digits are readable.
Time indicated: 7:52
